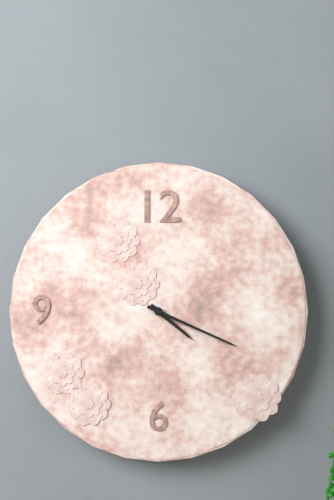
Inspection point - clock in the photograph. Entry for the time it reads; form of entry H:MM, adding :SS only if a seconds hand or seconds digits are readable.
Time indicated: 4:19
